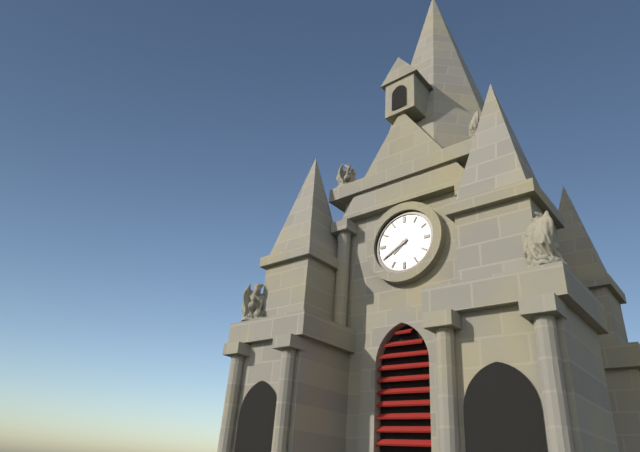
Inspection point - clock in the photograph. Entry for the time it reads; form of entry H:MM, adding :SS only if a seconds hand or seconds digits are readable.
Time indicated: 7:40
